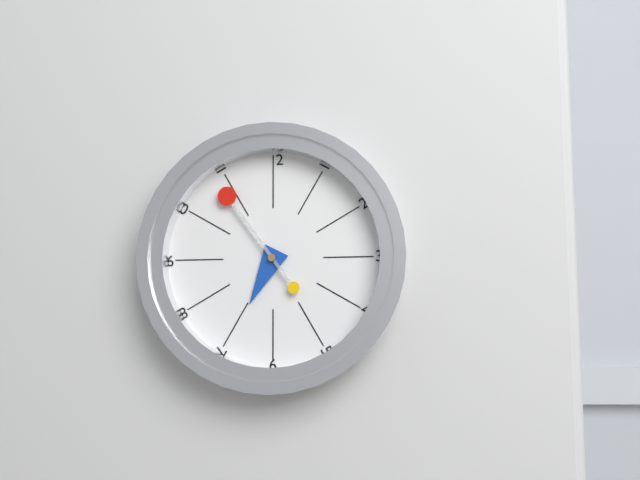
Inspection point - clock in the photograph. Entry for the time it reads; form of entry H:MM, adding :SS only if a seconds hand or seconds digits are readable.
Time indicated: 6:54
